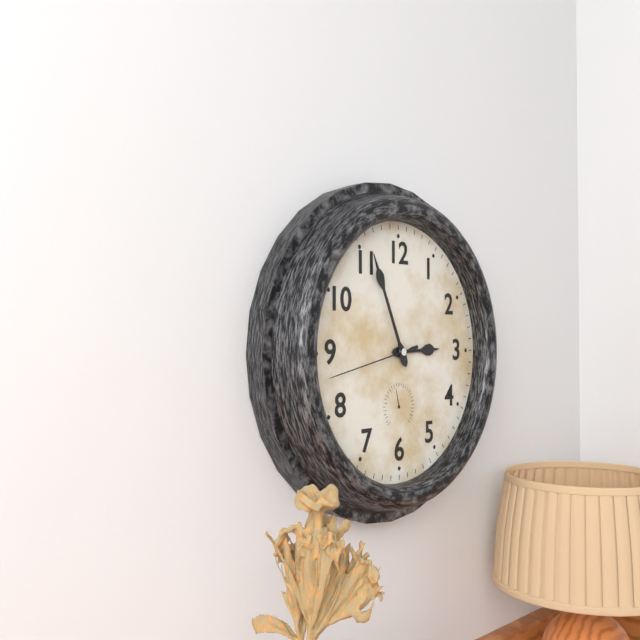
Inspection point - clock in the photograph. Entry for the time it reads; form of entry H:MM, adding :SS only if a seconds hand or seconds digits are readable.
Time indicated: 2:56:43
